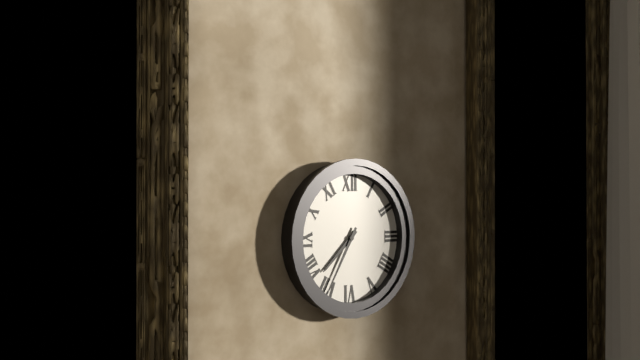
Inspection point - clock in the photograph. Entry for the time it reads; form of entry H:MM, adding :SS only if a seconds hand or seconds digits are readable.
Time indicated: 7:35
